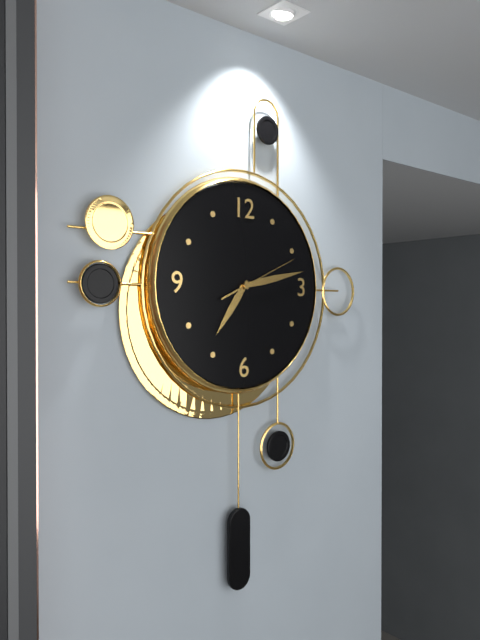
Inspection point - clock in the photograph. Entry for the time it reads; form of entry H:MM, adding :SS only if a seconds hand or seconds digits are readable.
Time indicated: 7:13:11
